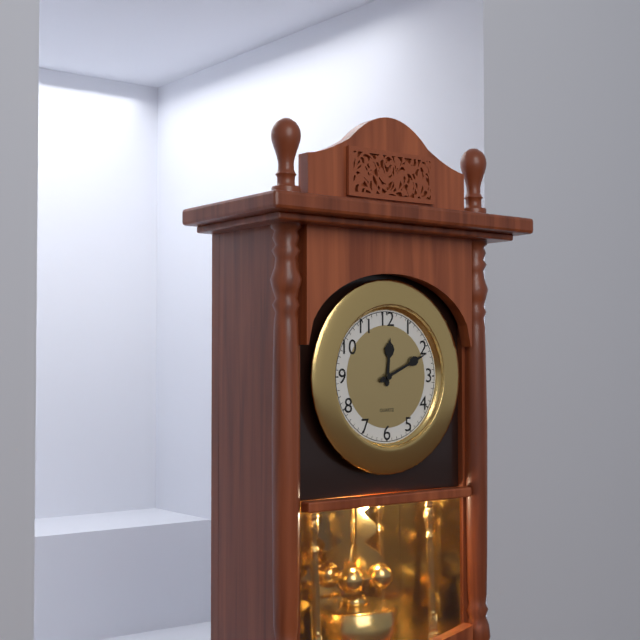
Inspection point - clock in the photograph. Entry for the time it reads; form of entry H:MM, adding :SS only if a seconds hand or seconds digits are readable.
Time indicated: 12:11
